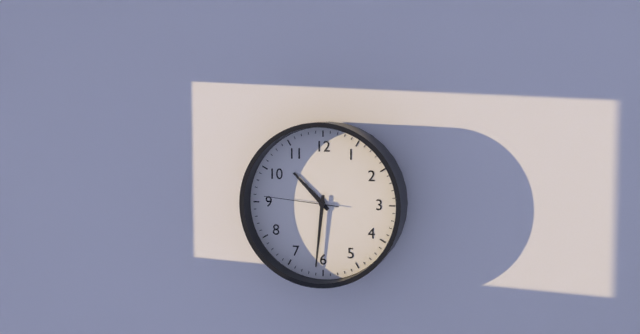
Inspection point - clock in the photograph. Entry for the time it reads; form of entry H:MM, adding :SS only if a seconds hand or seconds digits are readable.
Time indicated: 10:31:46
